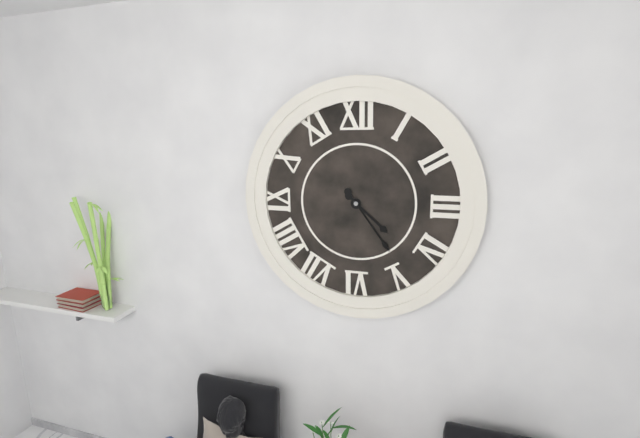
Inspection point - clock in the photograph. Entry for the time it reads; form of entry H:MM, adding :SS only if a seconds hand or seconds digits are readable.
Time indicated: 4:24
